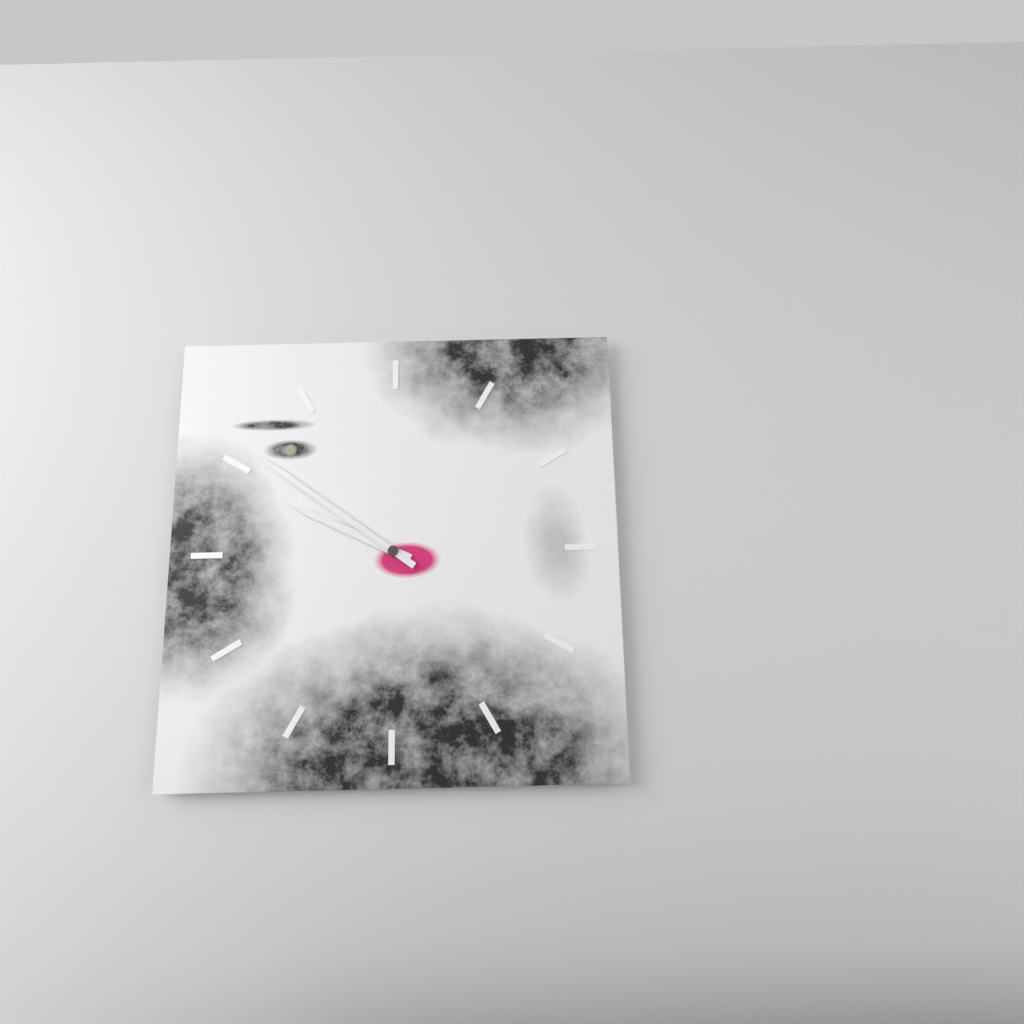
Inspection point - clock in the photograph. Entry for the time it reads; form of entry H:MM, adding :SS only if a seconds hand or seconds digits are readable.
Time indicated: 9:51
